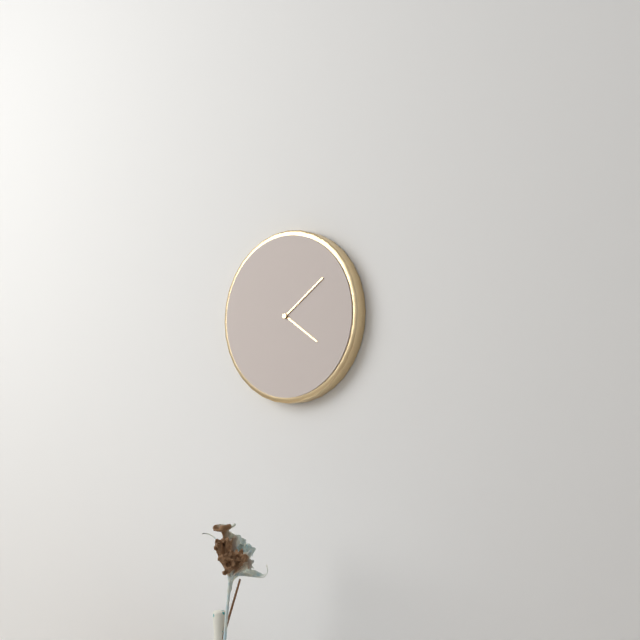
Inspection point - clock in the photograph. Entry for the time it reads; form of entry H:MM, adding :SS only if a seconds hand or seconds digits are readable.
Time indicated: 4:09
